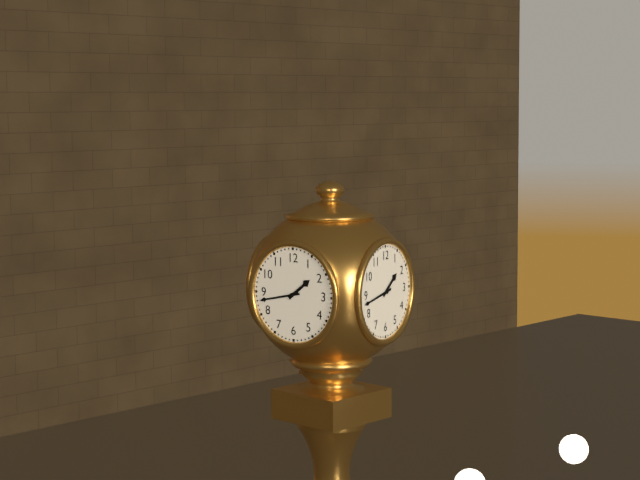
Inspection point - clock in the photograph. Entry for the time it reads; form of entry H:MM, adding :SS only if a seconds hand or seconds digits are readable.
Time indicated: 1:43
